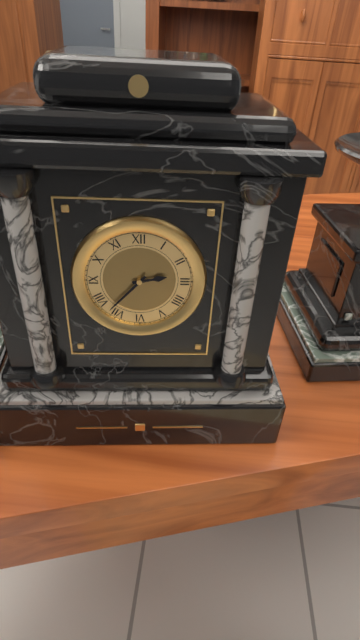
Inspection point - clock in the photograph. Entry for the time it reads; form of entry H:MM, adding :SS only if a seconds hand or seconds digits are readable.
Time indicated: 2:37
